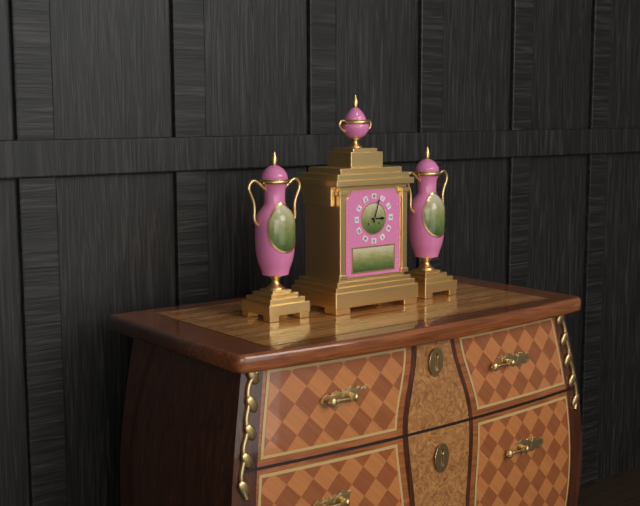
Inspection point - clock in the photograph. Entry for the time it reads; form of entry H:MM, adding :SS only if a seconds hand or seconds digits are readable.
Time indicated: 3:03
